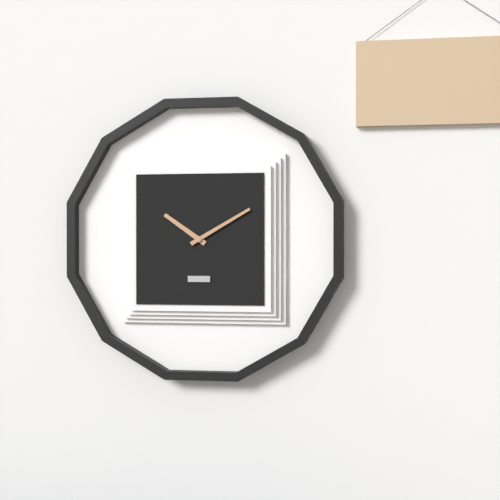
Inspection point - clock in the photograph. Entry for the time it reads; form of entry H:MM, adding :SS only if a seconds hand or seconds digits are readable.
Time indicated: 10:10
